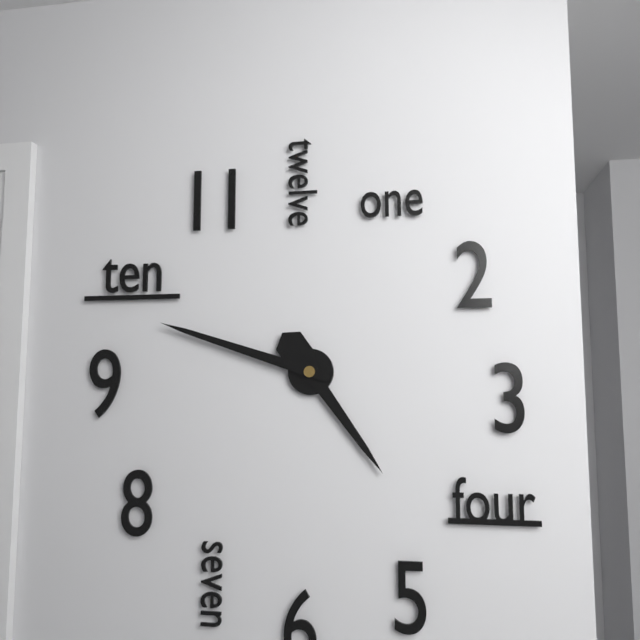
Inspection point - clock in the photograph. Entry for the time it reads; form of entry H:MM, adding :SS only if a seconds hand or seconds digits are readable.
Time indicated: 4:48
